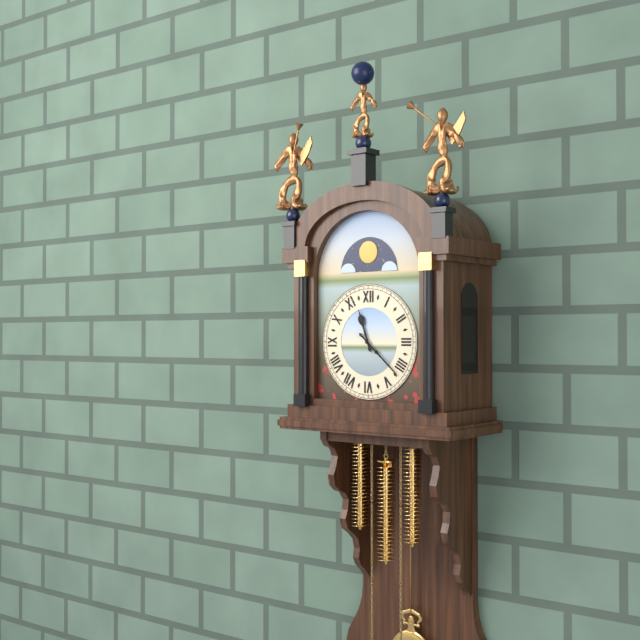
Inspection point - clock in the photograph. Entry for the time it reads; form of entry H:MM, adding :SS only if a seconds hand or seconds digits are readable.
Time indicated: 11:22
